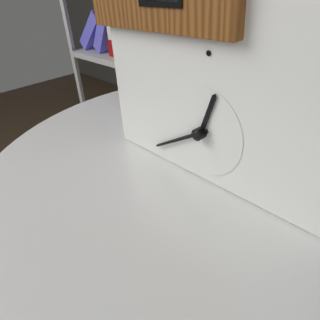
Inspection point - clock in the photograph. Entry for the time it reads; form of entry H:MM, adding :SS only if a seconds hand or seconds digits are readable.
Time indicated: 12:40
